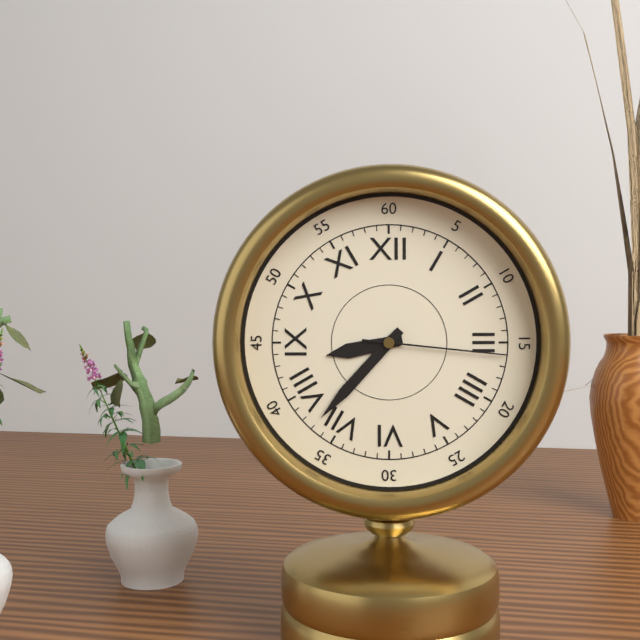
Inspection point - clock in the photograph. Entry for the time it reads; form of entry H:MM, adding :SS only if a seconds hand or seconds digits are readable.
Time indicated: 8:37:16
